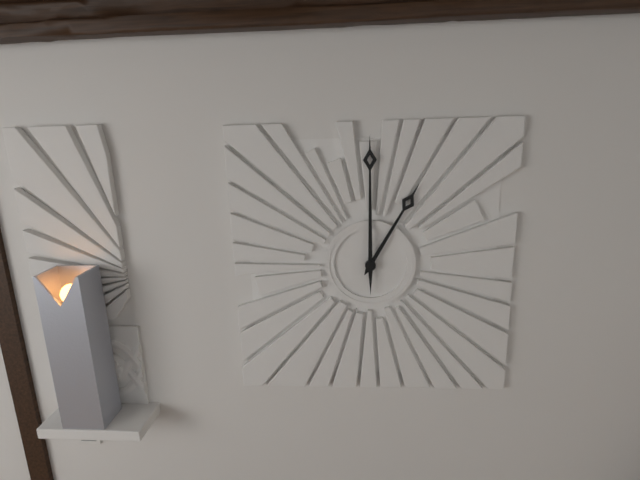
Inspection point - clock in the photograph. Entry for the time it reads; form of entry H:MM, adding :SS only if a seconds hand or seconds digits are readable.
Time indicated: 1:00
